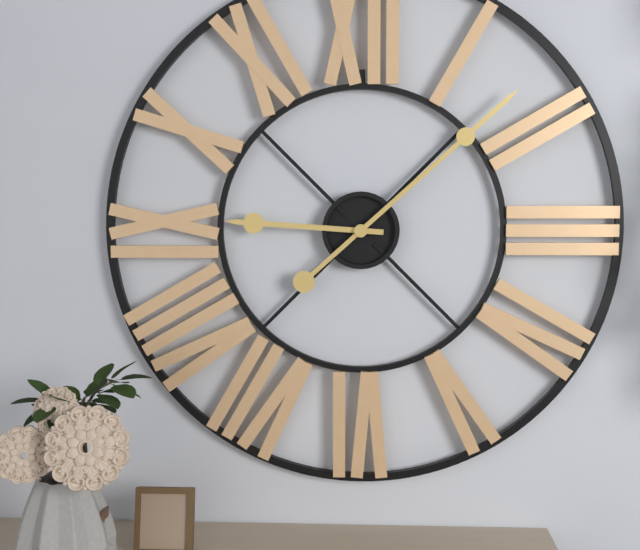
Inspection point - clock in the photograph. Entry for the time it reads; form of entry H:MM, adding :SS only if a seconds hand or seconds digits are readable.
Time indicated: 9:08
